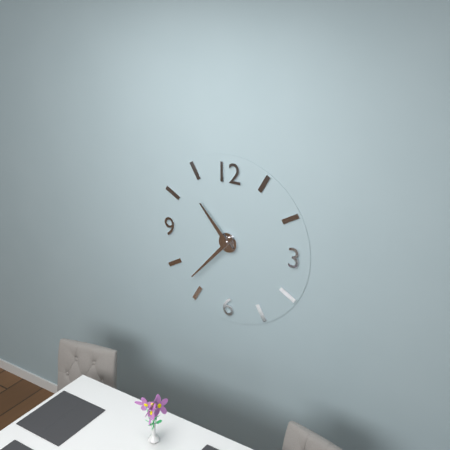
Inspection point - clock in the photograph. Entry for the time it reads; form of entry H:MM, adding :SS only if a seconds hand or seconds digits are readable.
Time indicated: 10:37
